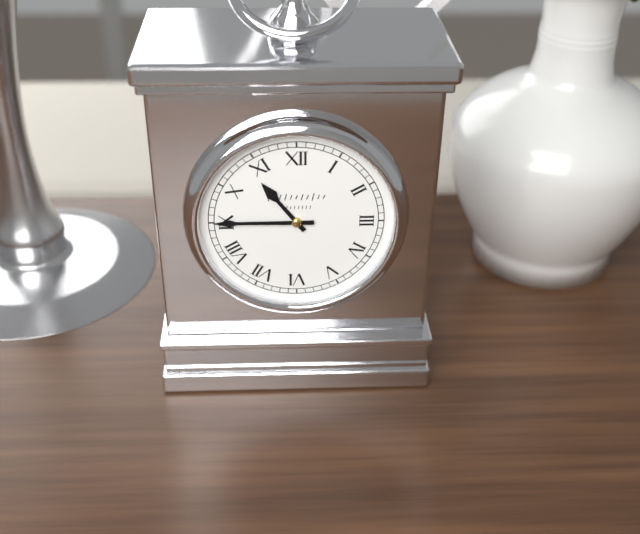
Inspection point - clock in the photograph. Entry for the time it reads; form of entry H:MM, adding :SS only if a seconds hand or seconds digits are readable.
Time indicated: 10:45
